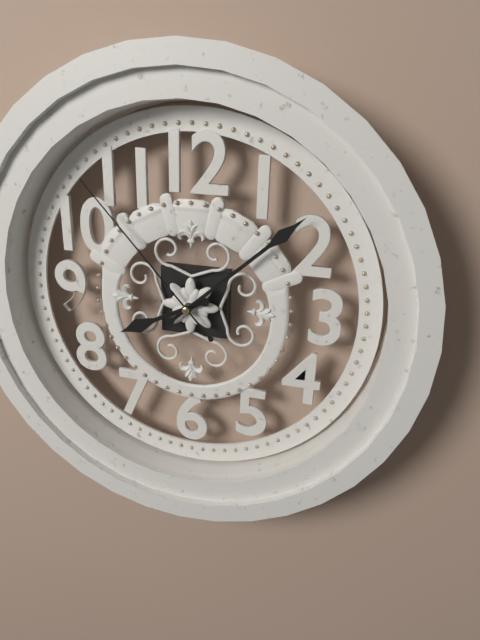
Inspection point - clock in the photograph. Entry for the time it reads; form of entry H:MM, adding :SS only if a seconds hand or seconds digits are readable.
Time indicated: 8:08:53
